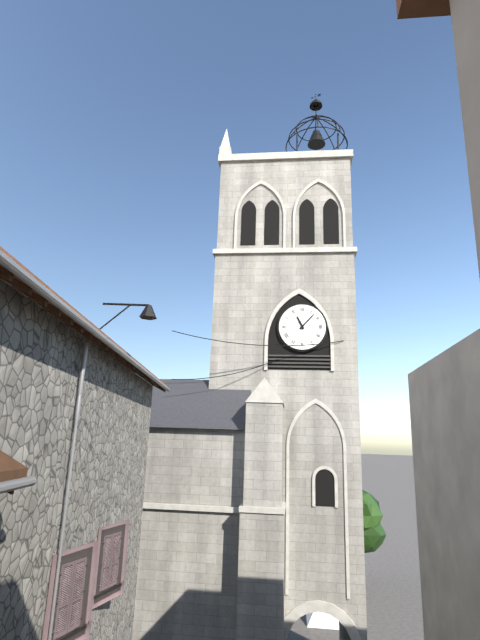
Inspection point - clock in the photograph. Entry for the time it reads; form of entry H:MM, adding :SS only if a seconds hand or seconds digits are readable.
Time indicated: 11:07
